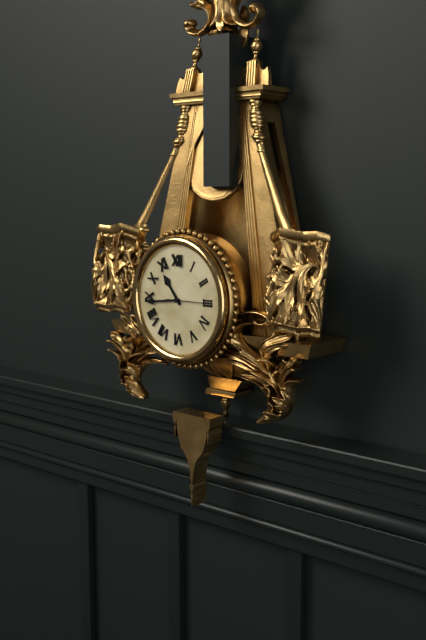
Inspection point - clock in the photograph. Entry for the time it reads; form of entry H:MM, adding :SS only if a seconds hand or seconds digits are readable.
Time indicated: 10:44
